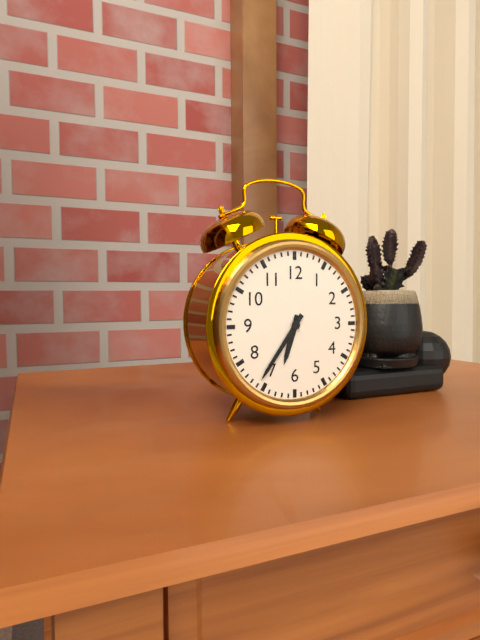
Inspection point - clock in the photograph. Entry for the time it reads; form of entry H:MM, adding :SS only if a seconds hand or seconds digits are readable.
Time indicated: 6:36
